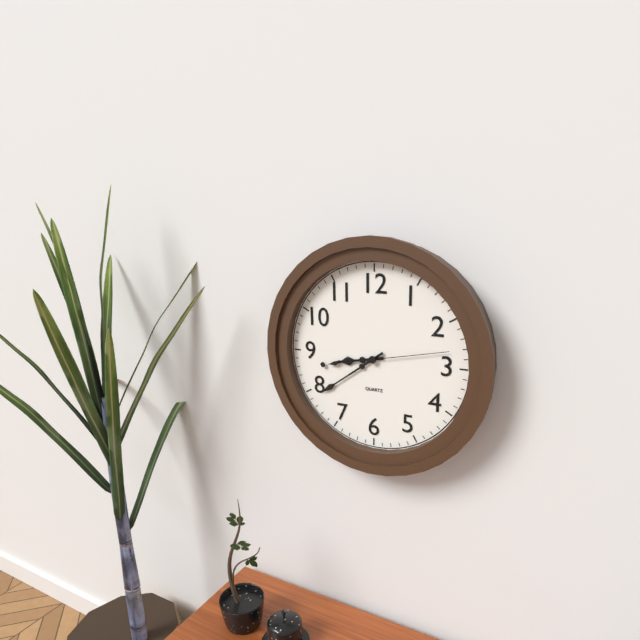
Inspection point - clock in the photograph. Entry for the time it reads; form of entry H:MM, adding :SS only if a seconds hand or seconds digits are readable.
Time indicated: 8:39:13
